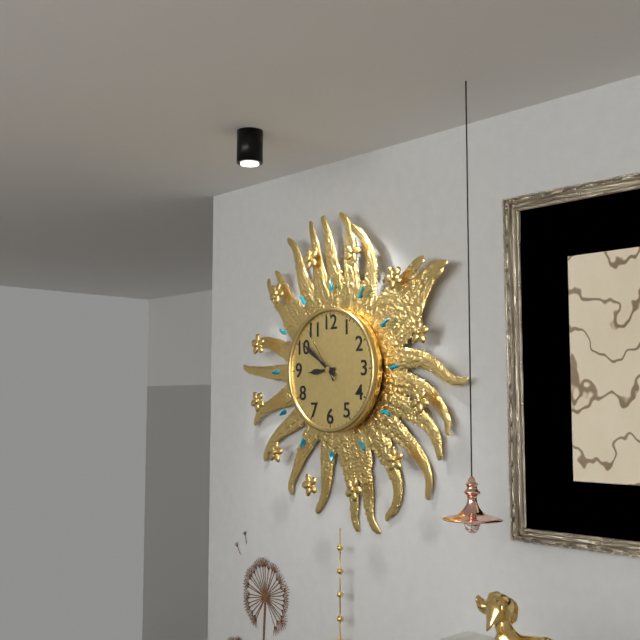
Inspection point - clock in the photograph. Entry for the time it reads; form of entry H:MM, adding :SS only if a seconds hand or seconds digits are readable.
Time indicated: 8:51:54
